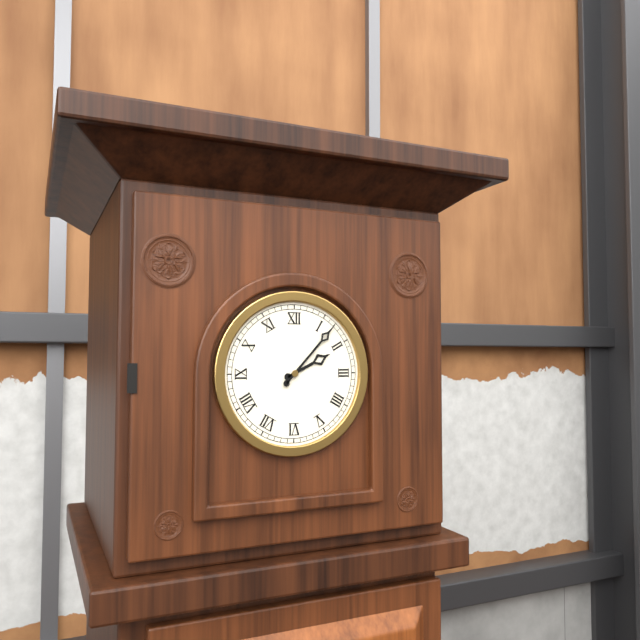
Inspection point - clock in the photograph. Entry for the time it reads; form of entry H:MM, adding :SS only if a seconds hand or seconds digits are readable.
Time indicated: 2:07
